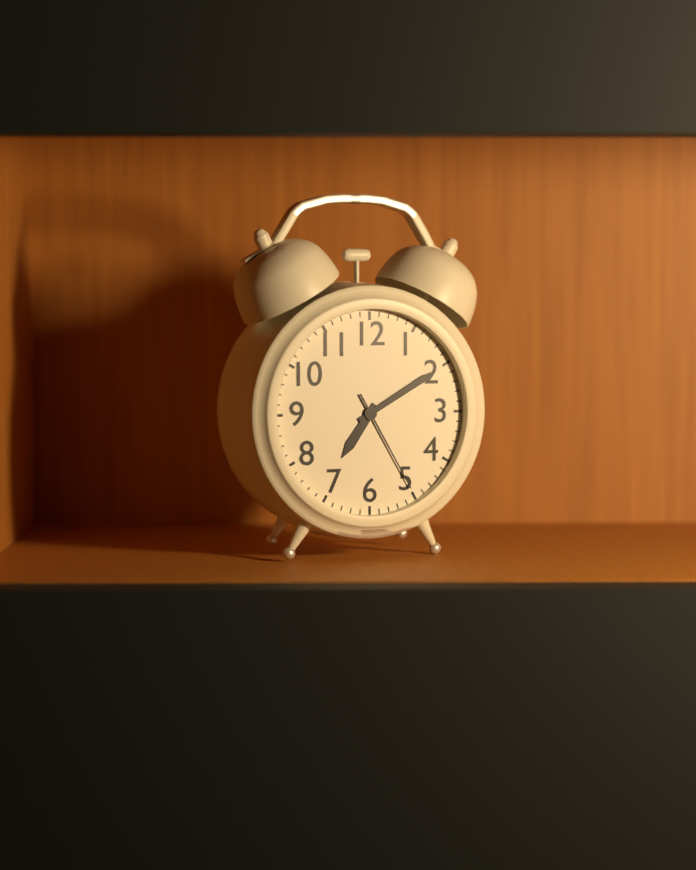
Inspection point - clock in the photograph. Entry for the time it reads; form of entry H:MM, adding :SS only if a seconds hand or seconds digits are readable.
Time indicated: 7:10:25
